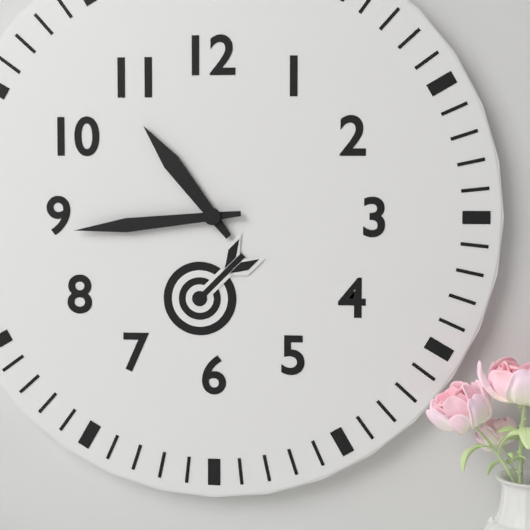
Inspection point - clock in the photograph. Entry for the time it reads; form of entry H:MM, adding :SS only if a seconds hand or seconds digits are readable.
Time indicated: 10:44
